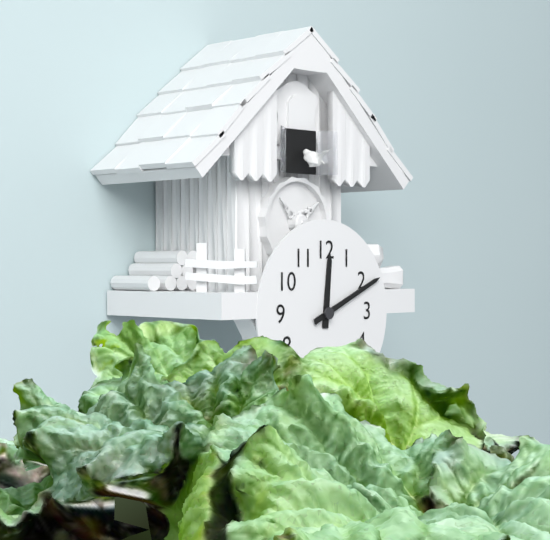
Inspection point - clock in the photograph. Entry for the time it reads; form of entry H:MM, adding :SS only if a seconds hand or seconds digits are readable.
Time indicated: 12:11
